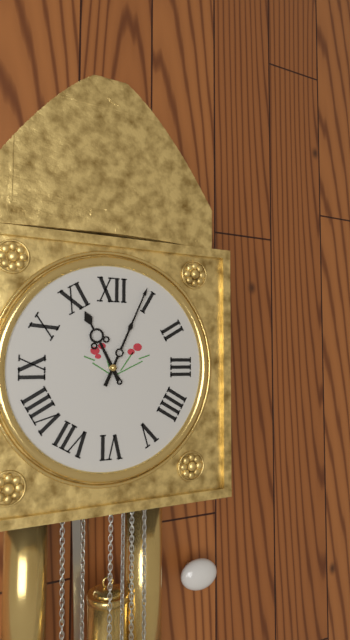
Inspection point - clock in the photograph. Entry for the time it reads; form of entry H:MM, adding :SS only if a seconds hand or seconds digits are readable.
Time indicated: 11:04
